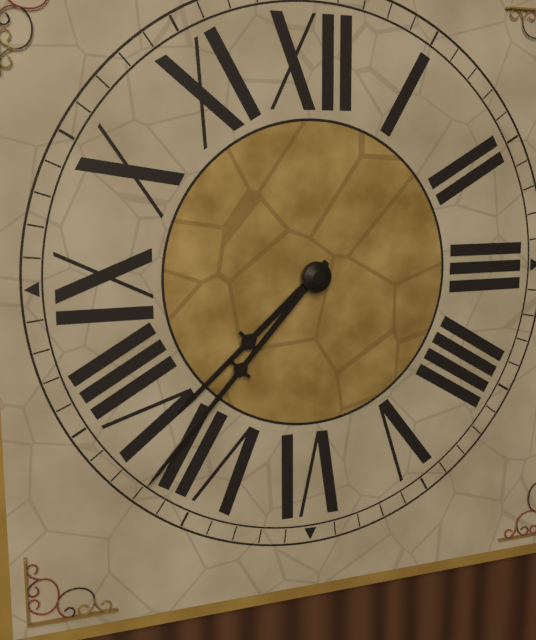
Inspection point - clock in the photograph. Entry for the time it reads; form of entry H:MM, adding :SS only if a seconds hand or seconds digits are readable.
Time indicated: 7:37
